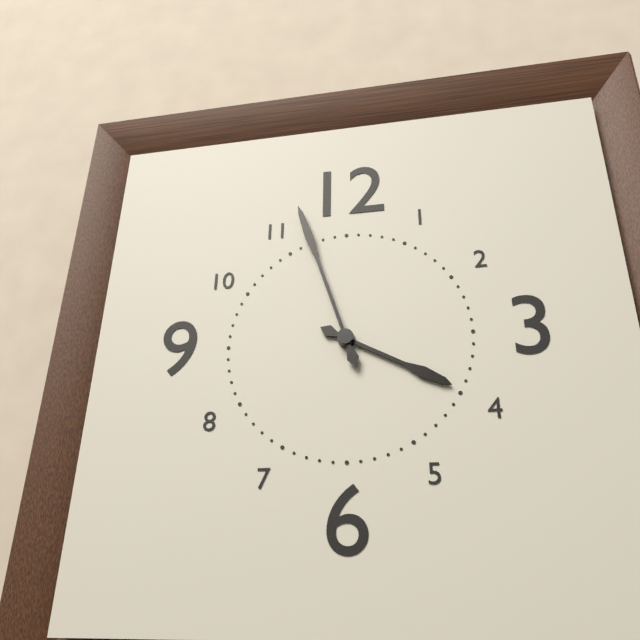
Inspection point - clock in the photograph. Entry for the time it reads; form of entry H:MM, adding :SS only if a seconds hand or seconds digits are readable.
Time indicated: 3:57
